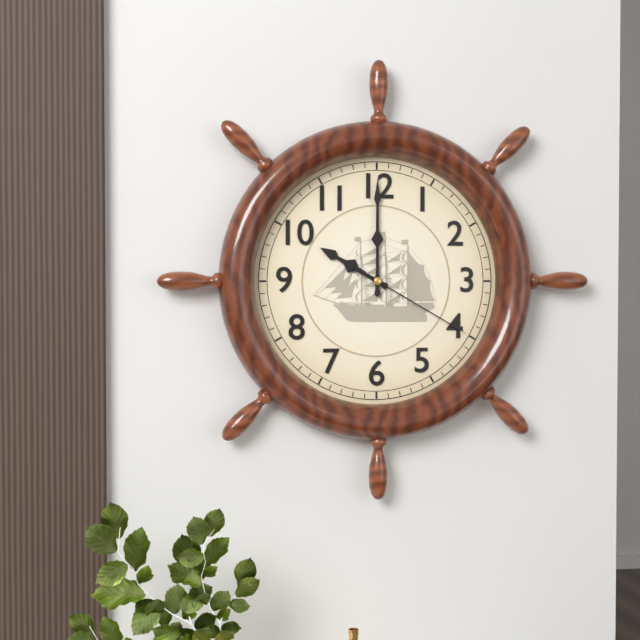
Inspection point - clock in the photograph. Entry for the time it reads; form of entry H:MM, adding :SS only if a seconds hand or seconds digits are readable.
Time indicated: 10:00:20
